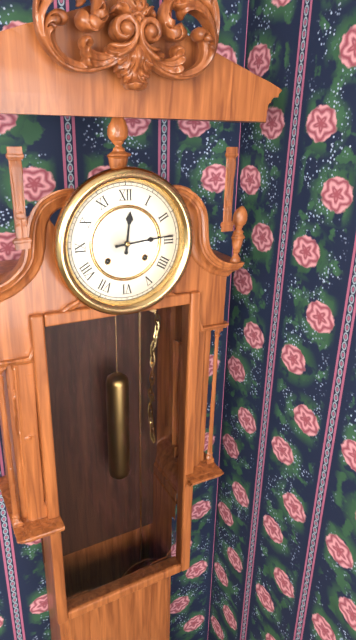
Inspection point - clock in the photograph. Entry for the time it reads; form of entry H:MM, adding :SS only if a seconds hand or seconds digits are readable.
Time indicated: 12:14
